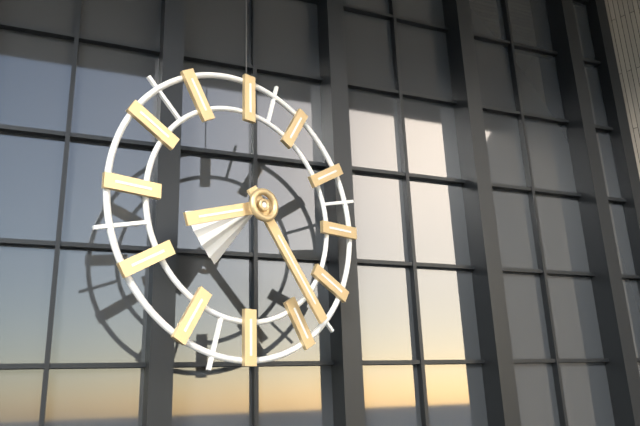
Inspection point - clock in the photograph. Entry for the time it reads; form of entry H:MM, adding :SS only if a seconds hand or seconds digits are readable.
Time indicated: 8:24
